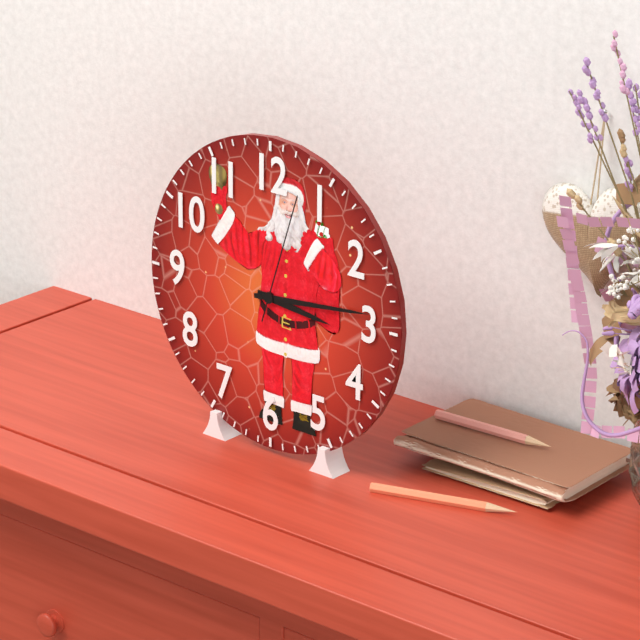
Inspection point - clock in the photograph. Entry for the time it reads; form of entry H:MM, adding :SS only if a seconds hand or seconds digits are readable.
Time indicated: 3:14:03
